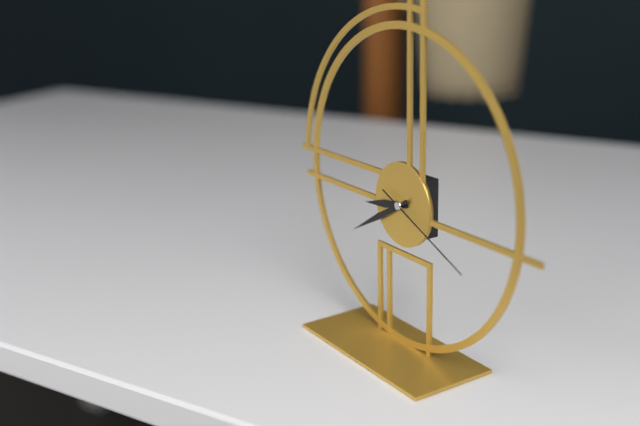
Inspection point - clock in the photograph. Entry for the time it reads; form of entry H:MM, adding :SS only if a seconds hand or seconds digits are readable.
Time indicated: 8:40:19
